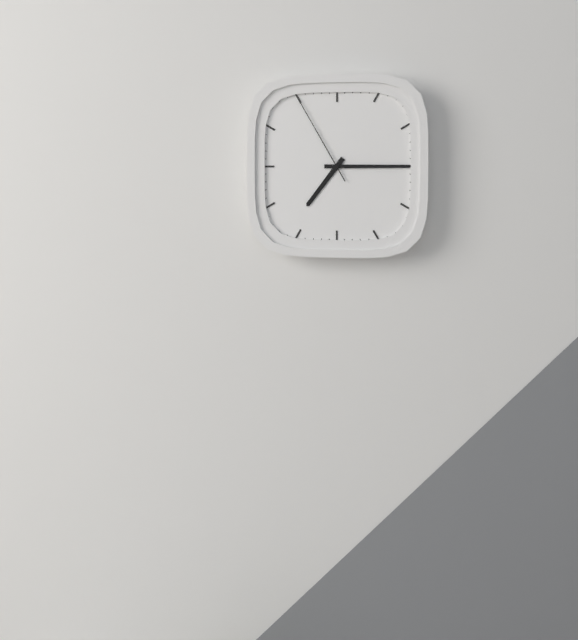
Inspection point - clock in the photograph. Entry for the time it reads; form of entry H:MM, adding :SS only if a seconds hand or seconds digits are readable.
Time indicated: 7:15:55
